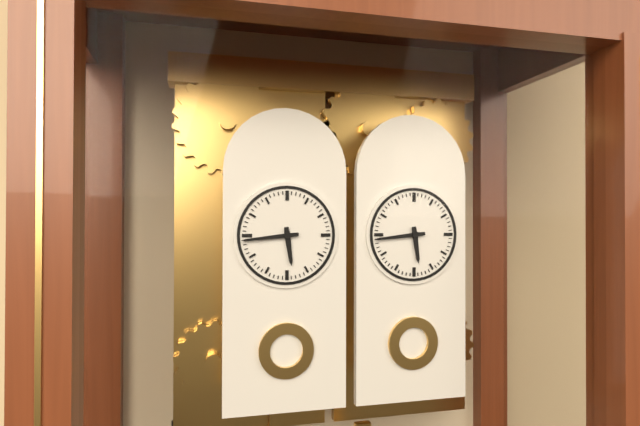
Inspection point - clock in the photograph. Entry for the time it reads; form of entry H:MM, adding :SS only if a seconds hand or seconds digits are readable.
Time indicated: 5:44
